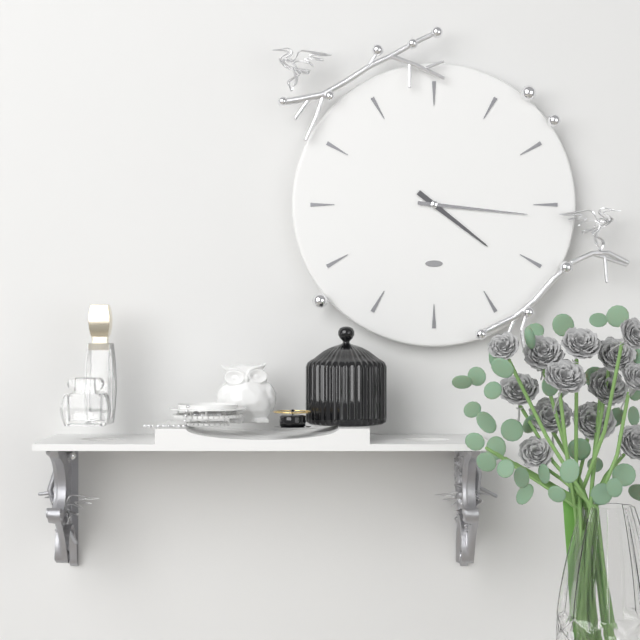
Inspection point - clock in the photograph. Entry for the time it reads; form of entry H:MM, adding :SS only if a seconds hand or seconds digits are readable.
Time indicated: 4:16
